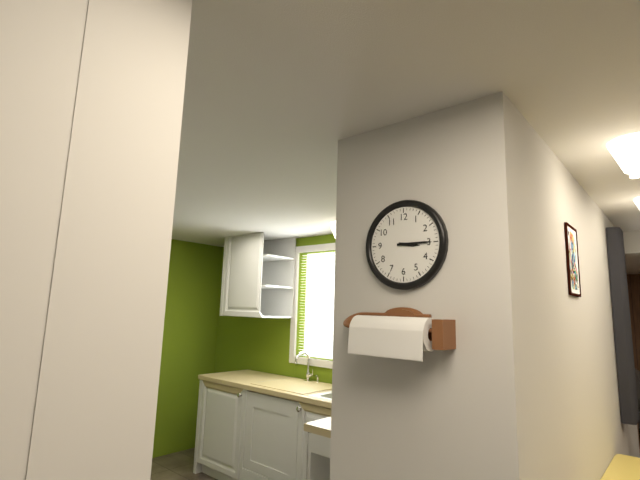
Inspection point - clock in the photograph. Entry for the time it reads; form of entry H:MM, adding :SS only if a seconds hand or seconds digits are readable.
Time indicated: 3:15
